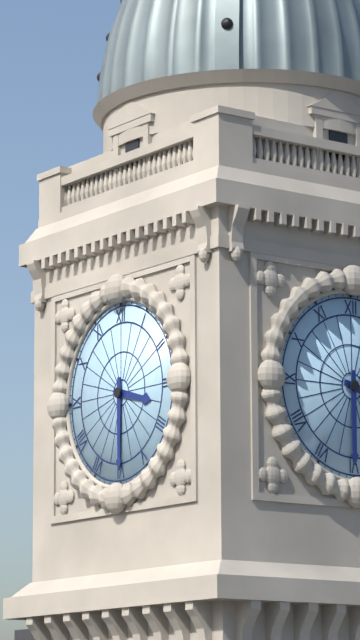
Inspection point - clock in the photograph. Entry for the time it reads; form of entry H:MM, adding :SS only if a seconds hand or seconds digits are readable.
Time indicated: 3:30
